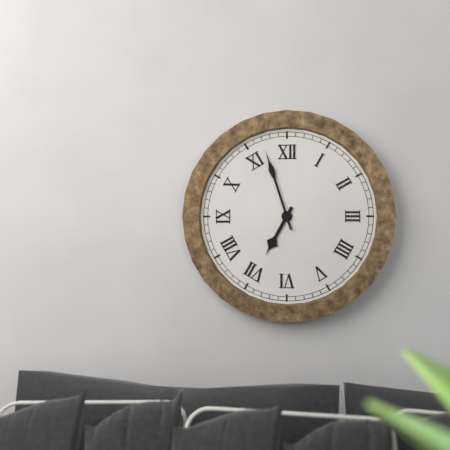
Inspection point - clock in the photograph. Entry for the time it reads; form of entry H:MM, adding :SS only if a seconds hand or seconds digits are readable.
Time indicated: 6:57
